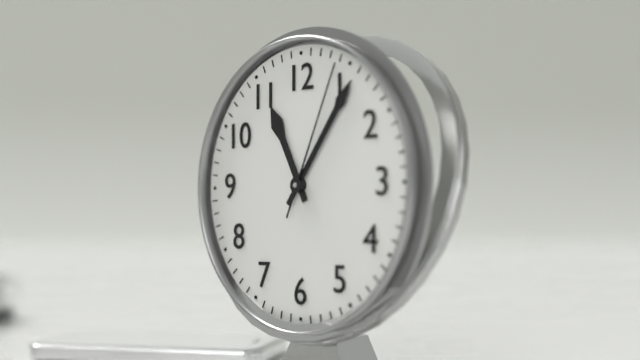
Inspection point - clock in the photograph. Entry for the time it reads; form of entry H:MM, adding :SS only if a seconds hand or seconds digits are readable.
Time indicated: 11:06:04
